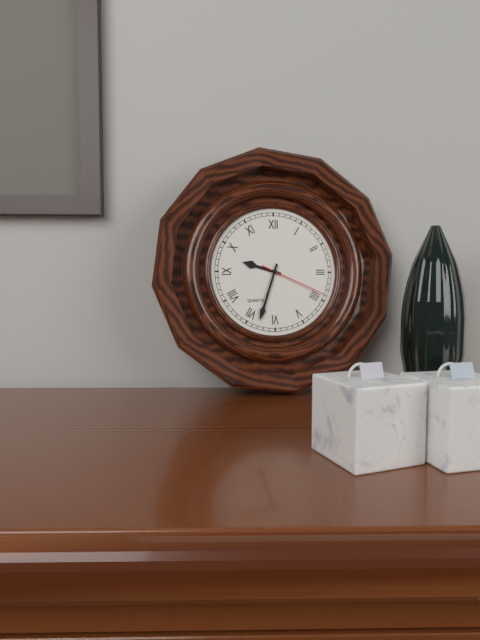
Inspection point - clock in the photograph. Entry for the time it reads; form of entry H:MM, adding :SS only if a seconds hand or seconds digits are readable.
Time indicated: 9:33:19
